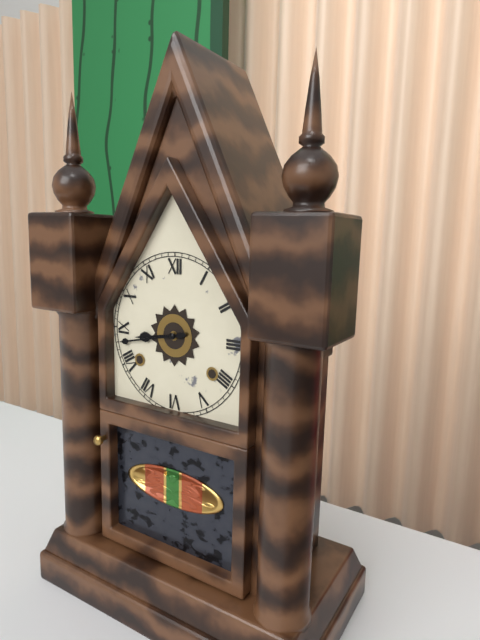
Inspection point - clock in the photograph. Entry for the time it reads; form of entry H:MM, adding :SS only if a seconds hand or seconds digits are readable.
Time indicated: 8:43
